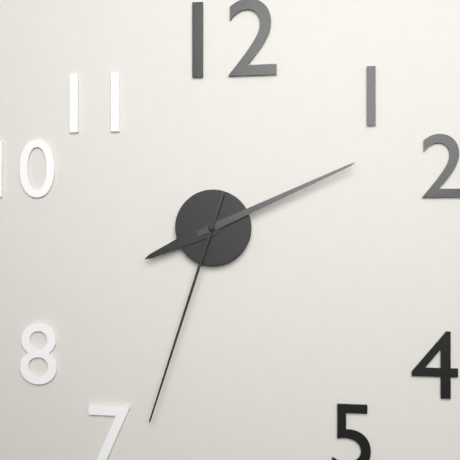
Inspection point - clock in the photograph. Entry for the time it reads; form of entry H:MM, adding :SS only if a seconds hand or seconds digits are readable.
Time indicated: 8:11:33
